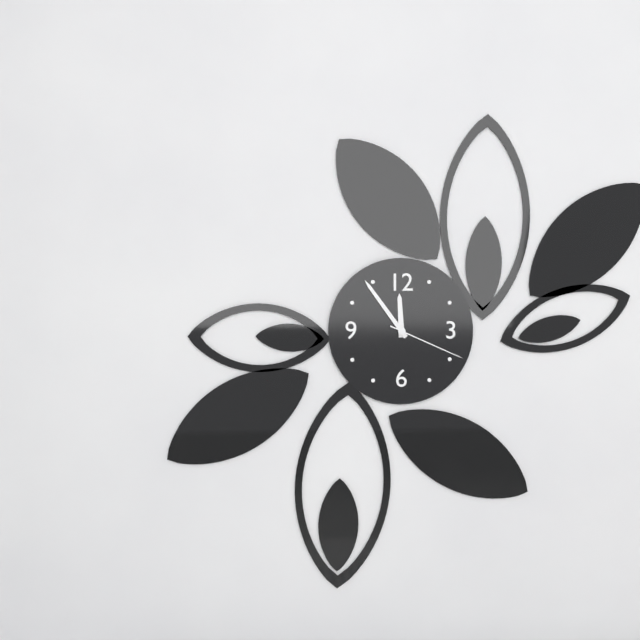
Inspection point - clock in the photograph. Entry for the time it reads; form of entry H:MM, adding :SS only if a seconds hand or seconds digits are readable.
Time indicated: 11:54:19
